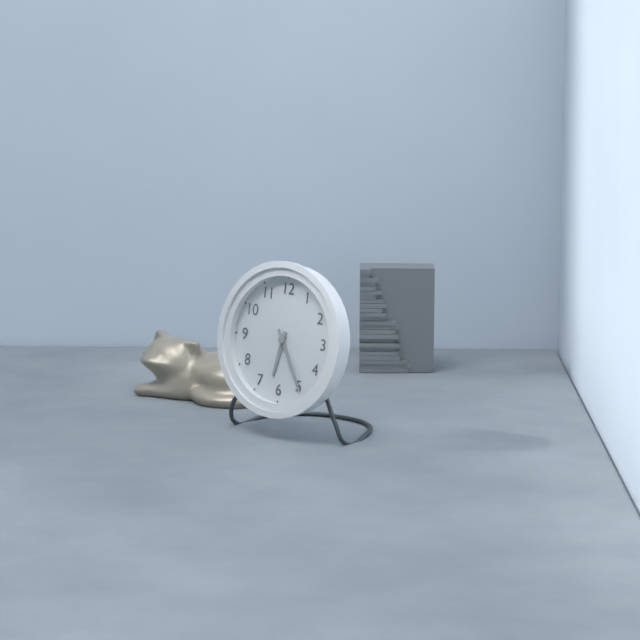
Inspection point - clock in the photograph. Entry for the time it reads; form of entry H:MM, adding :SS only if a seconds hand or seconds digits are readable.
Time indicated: 6:25
